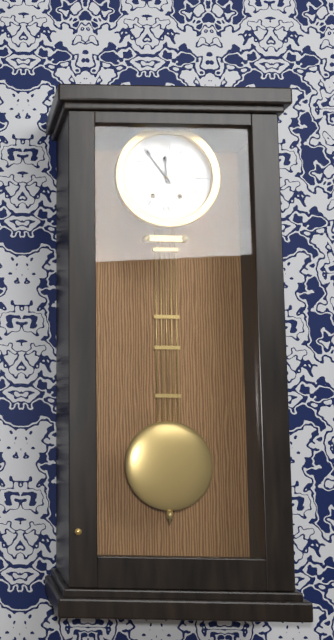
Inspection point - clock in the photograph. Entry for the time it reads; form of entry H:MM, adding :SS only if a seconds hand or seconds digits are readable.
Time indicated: 11:54
